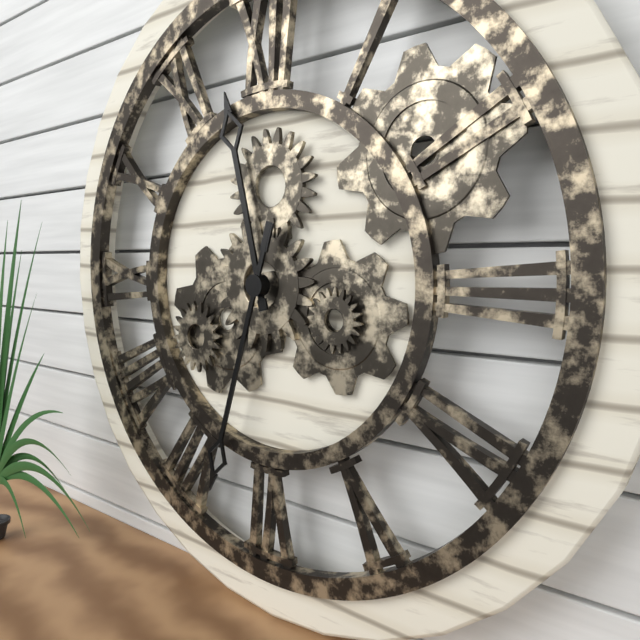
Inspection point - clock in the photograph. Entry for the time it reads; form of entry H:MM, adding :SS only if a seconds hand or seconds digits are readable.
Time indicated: 11:33
